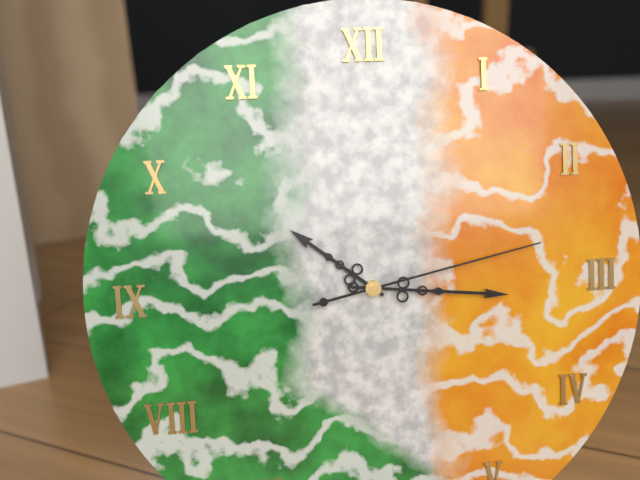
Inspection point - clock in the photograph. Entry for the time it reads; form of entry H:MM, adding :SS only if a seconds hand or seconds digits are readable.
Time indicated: 10:16:13
